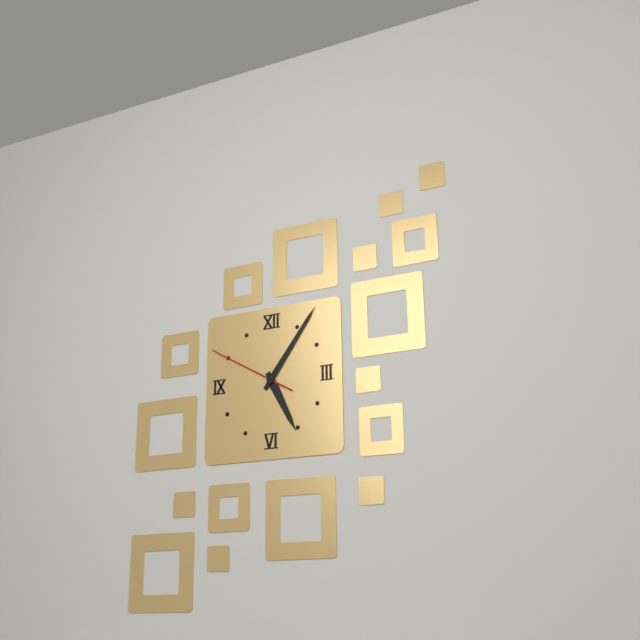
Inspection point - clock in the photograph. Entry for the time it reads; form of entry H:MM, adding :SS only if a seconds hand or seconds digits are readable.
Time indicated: 5:06:50
